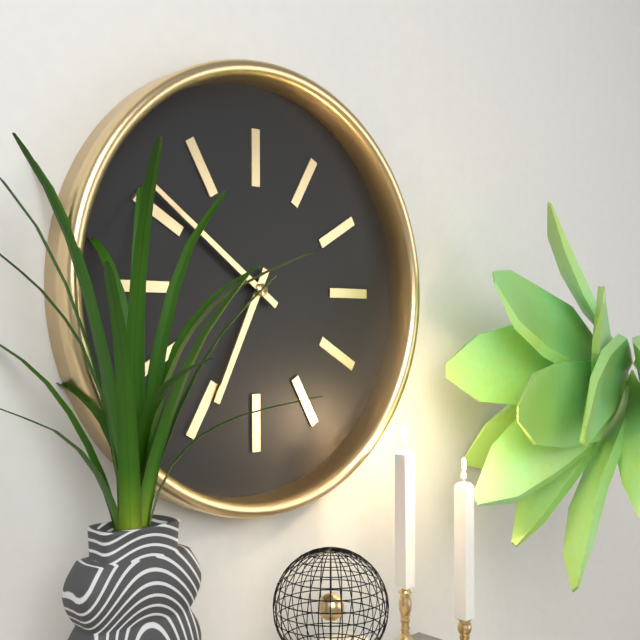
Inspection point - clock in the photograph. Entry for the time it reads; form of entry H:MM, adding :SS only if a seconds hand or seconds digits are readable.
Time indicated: 6:51
